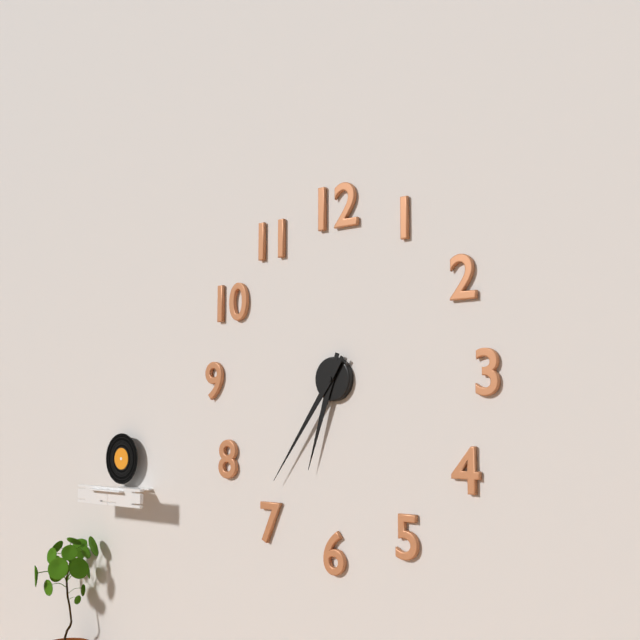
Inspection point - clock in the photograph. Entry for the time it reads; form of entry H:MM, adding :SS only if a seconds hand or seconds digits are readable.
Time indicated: 6:36
